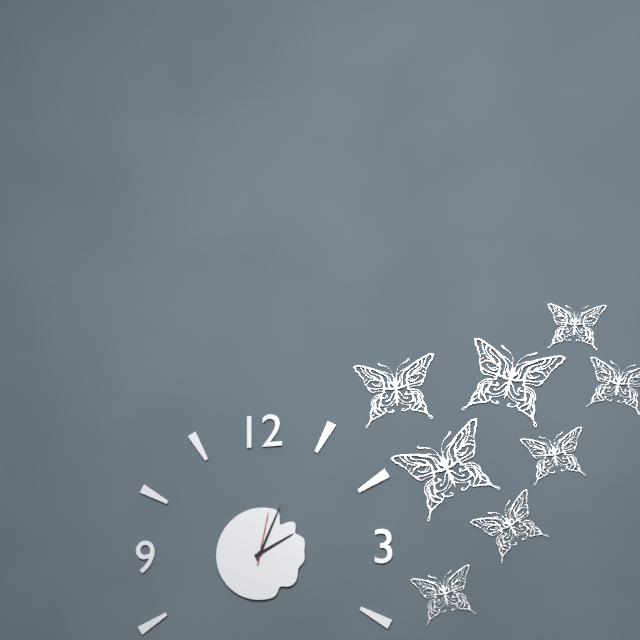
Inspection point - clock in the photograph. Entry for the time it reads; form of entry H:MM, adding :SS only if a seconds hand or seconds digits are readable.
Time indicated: 2:04:02
